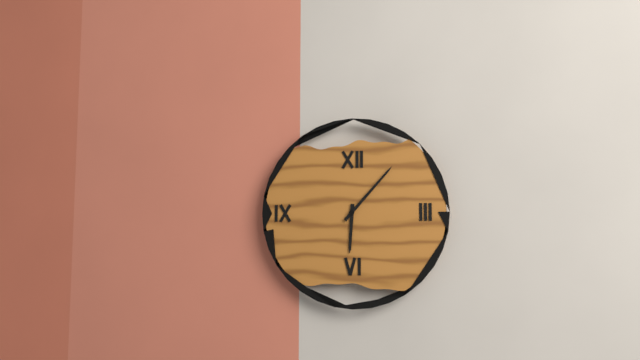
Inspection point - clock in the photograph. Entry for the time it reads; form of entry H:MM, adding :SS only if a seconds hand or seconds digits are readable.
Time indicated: 6:07
